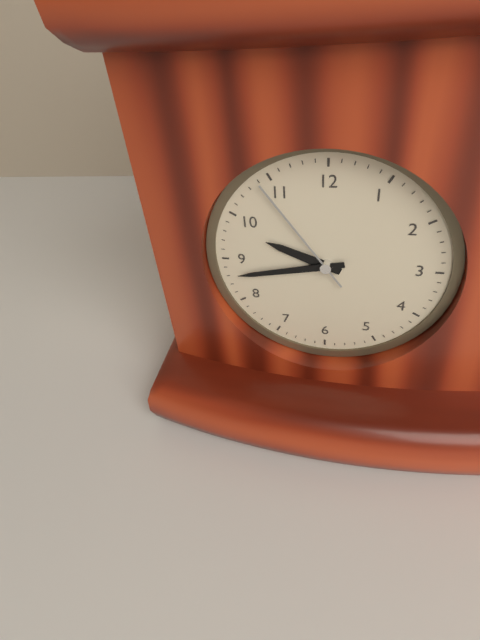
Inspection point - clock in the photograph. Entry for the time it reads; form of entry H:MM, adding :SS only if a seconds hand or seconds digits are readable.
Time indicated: 9:43:54
